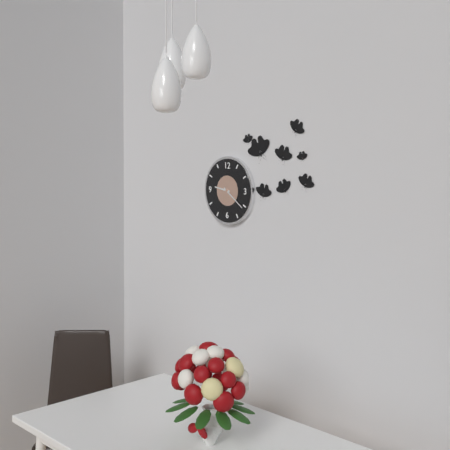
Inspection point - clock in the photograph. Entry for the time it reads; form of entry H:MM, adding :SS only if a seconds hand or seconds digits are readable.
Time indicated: 9:21
